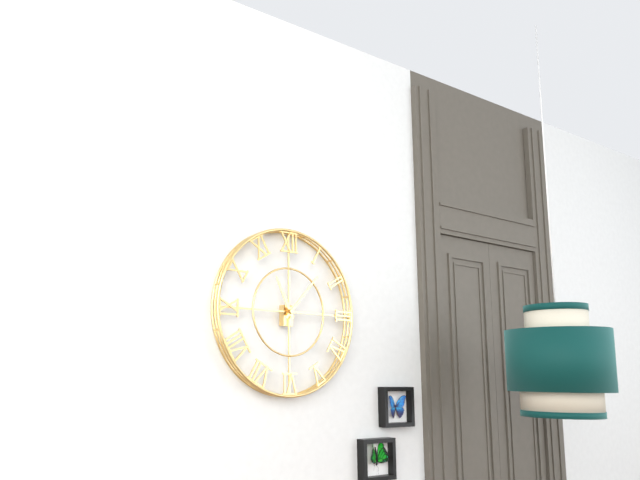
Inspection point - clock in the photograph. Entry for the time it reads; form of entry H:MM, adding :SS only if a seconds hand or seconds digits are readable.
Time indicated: 11:07
